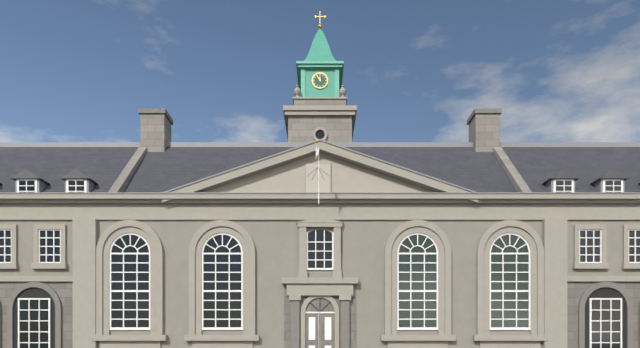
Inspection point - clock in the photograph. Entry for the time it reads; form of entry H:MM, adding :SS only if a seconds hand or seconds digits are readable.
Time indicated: 11:54
